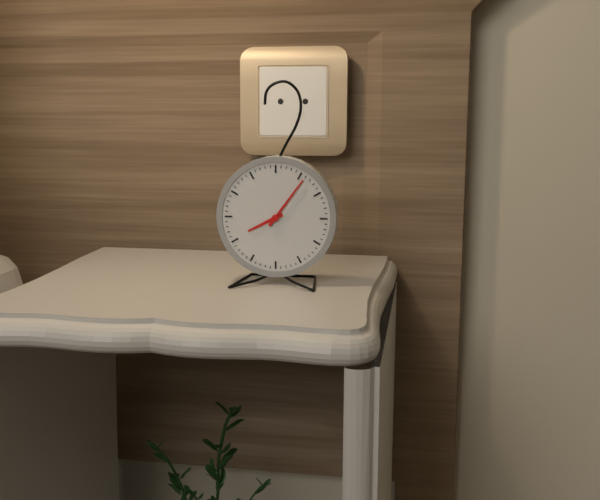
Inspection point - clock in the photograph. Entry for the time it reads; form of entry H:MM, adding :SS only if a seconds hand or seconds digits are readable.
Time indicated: 8:06
